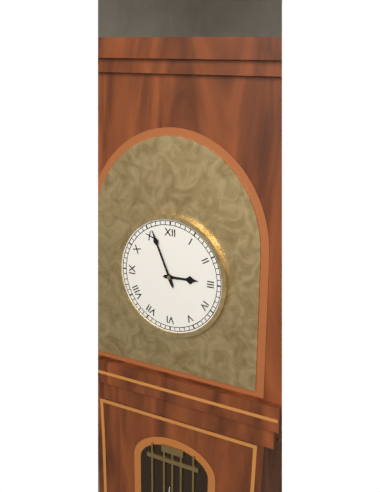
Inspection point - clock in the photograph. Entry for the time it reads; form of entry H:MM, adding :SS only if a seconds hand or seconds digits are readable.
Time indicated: 2:56
